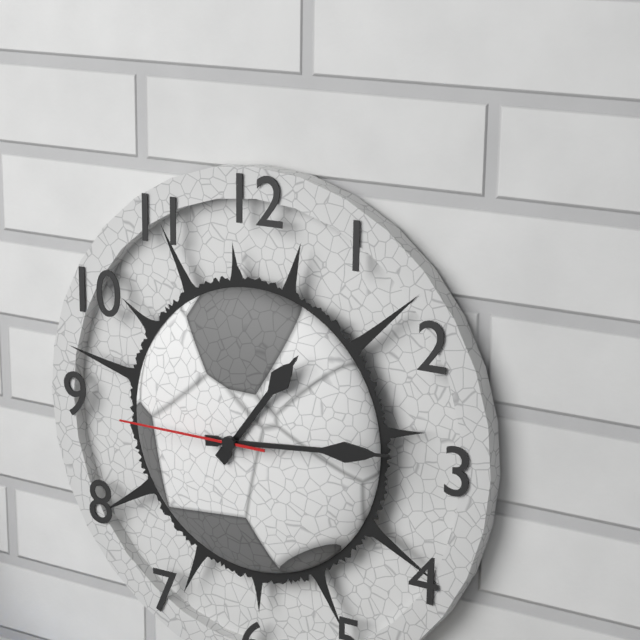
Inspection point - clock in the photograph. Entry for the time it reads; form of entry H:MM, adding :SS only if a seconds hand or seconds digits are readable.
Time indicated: 1:14:45
